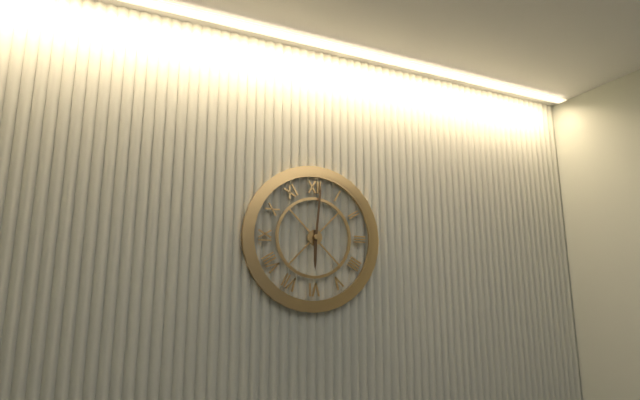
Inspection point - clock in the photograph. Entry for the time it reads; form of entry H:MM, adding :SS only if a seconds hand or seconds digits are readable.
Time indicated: 6:01
